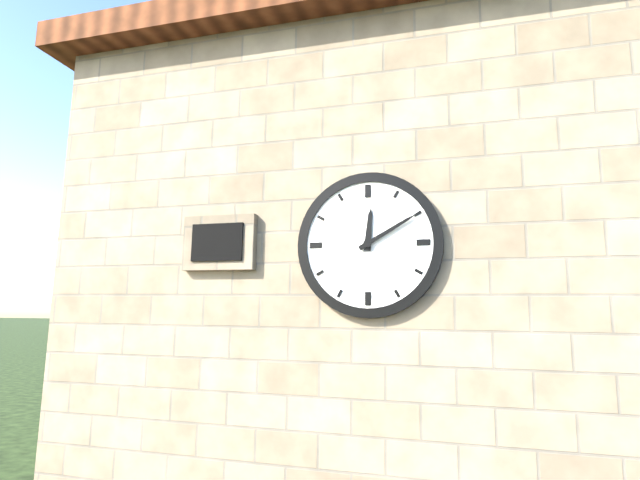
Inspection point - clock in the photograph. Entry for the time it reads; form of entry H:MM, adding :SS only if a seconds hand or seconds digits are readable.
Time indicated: 12:10
